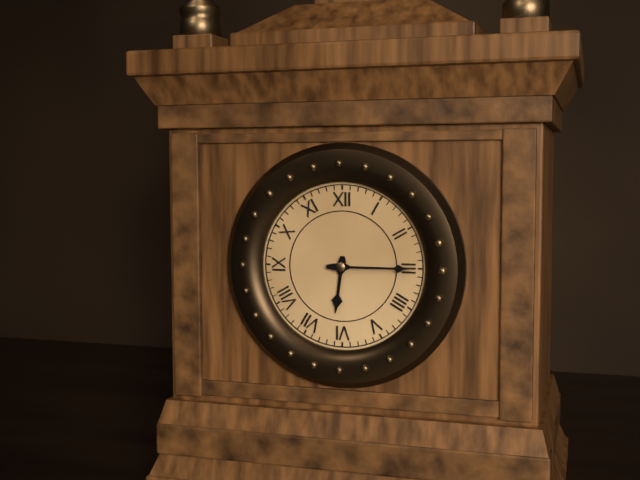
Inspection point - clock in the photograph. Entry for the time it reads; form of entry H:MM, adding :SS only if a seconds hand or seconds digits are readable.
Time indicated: 6:15
